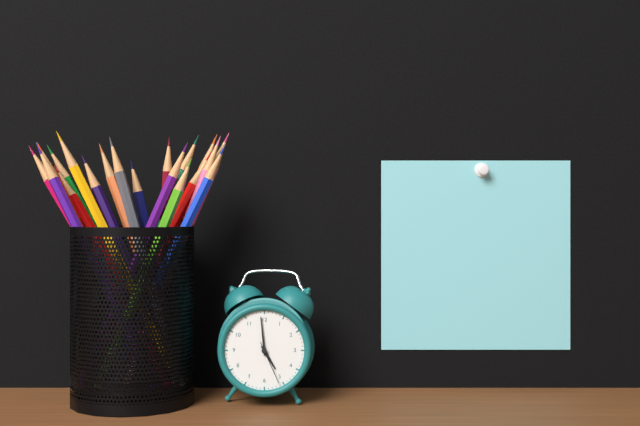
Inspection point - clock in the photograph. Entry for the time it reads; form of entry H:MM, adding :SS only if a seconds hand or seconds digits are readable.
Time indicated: 4:59
